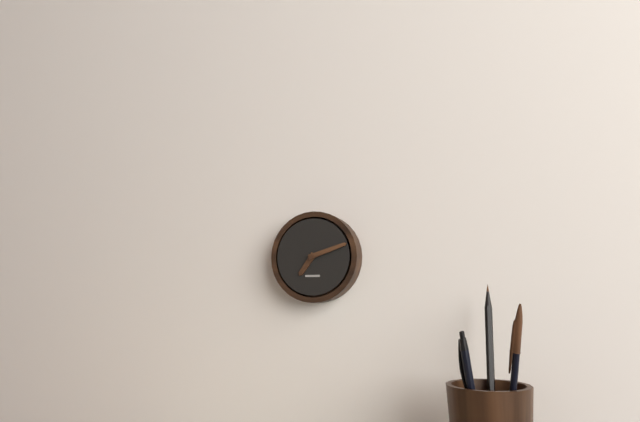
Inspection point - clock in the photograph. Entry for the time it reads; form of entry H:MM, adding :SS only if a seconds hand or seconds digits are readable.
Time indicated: 7:12
